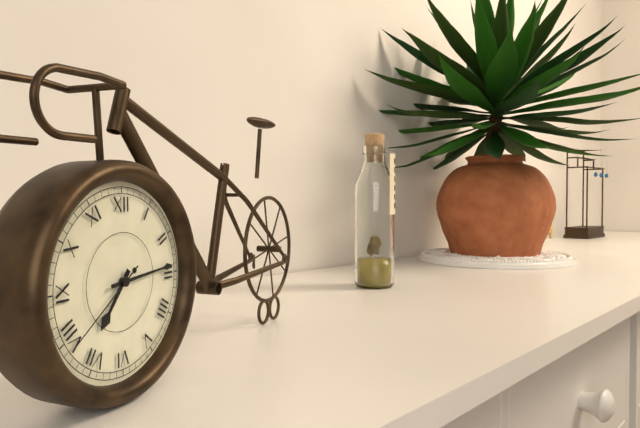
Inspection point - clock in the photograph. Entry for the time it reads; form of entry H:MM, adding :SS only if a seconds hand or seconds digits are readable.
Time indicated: 7:14:39
